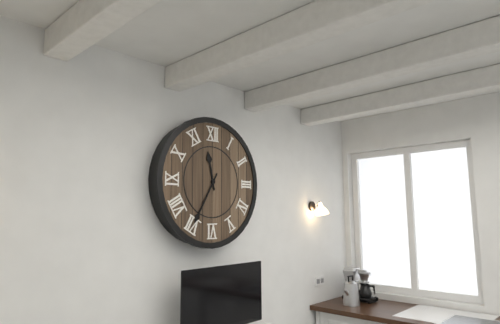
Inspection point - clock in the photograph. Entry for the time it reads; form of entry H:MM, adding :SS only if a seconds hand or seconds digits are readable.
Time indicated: 11:35
